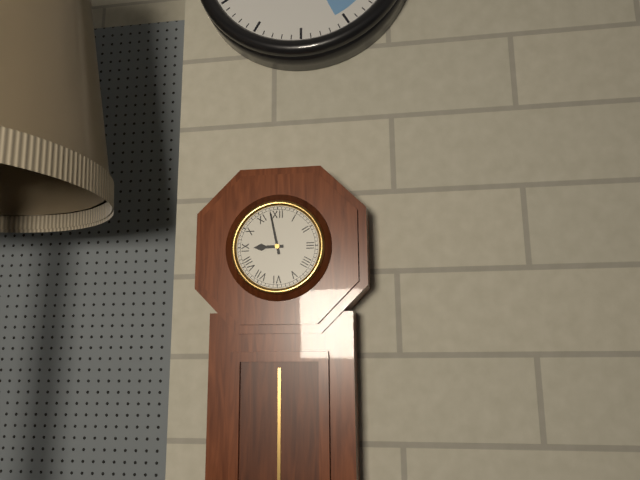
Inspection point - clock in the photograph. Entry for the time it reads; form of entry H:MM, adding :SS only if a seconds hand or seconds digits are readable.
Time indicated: 8:58
